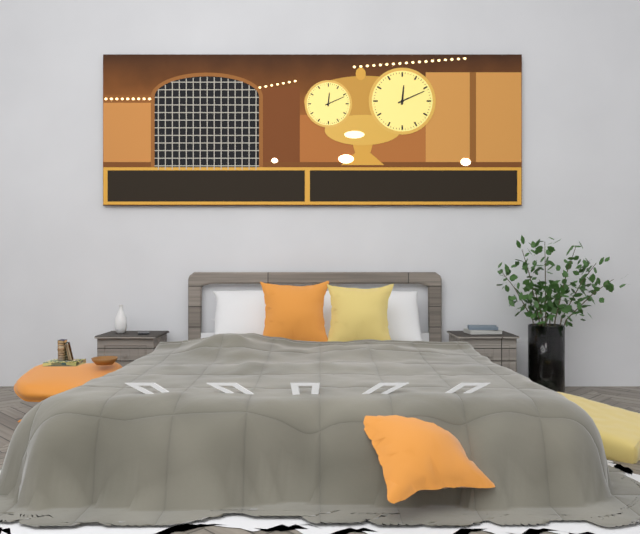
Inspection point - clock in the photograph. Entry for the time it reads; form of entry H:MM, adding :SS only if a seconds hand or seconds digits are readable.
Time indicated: 12:11
